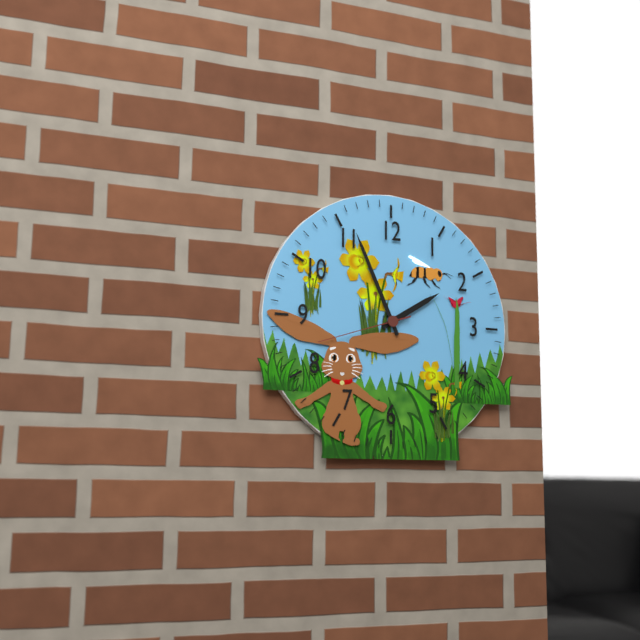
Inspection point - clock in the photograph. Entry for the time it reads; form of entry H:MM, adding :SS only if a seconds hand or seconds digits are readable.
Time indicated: 1:56:42
